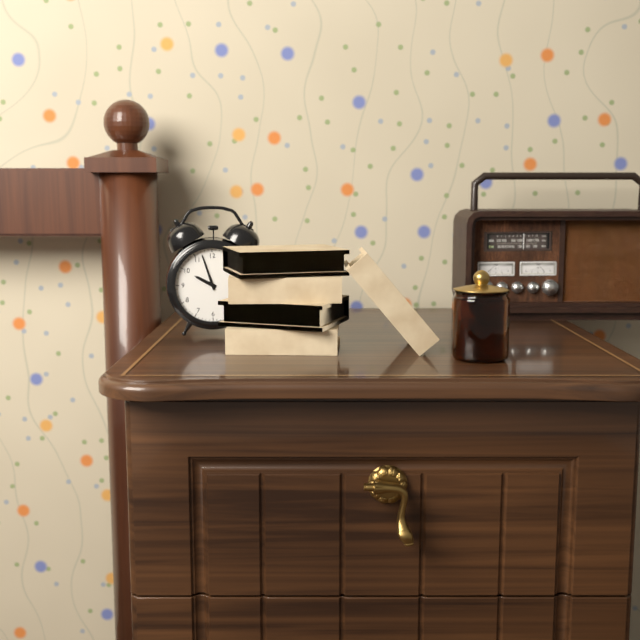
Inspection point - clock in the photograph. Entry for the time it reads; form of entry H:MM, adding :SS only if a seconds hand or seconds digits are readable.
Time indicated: 9:57
